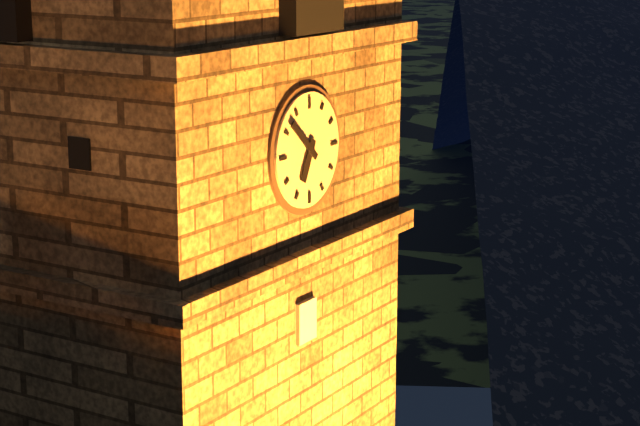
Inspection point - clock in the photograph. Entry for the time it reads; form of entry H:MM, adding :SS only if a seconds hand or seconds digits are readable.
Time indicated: 6:52
